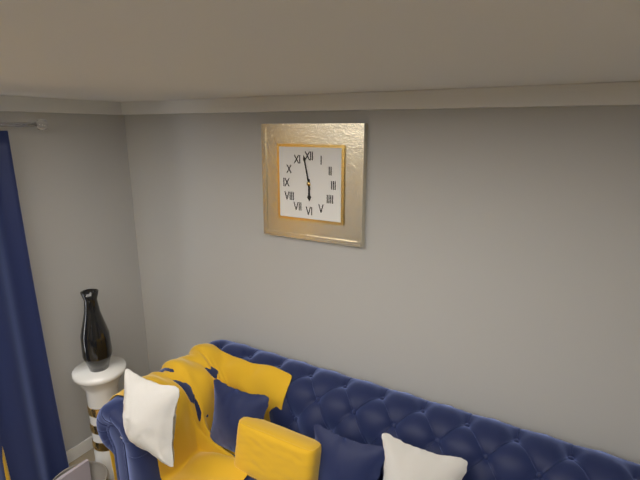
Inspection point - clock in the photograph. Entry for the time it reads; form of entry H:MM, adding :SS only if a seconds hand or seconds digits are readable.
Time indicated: 5:58
